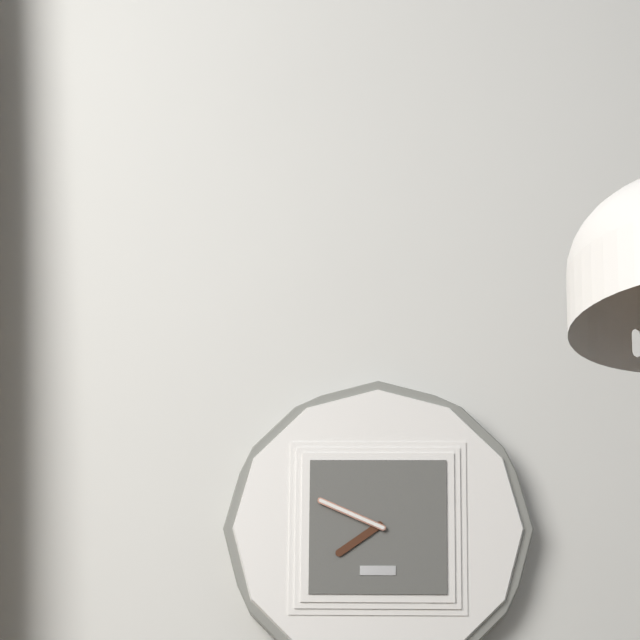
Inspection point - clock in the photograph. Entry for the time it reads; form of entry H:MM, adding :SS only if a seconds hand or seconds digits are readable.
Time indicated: 7:49
